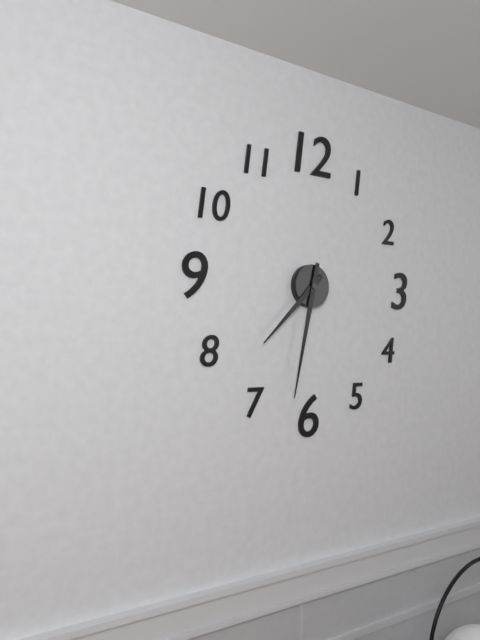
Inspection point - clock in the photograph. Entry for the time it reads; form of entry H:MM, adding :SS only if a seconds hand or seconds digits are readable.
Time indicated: 7:32
